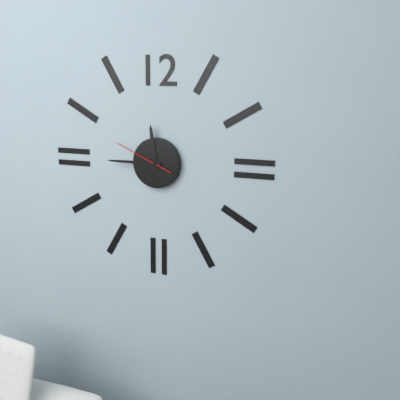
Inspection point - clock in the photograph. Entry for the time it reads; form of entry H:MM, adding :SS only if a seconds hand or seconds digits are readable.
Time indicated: 11:45:49
